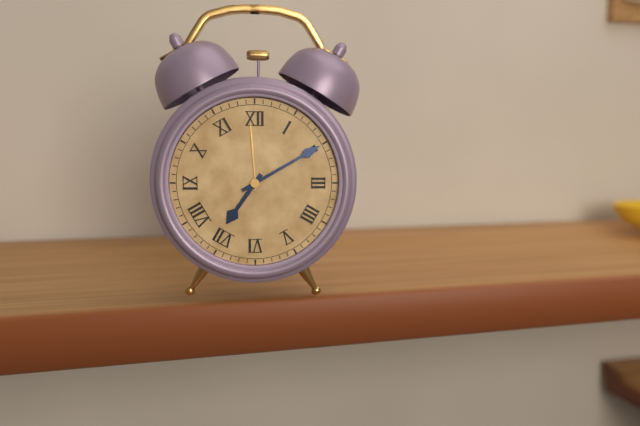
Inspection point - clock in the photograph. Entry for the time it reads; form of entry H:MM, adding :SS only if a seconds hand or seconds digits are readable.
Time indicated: 7:10
